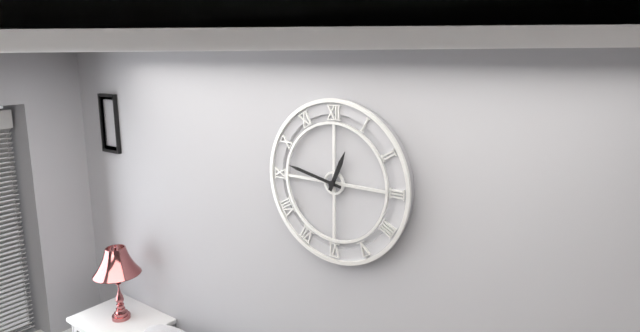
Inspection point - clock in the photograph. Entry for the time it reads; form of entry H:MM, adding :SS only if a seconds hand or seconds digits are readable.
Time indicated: 12:47
